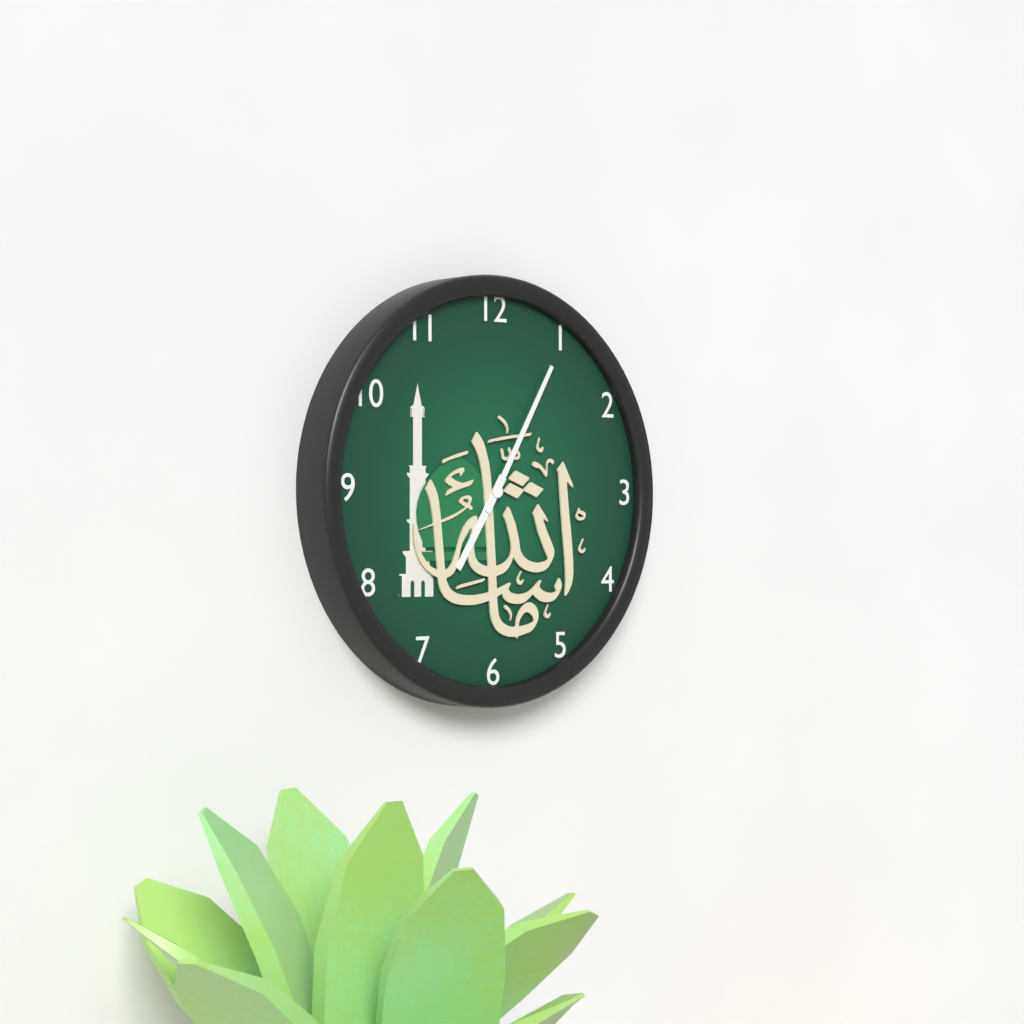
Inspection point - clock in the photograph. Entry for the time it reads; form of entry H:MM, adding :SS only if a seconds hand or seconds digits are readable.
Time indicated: 7:05
